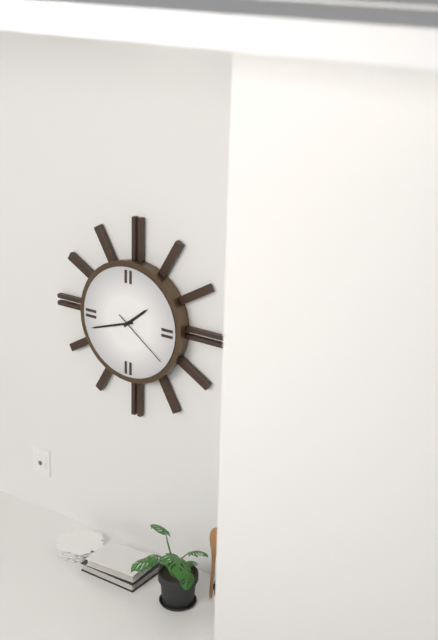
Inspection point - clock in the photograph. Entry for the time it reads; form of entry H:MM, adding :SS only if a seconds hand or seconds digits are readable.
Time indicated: 1:42:21
